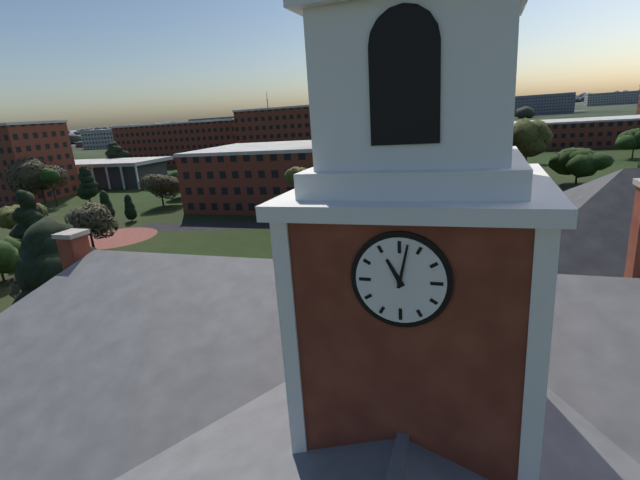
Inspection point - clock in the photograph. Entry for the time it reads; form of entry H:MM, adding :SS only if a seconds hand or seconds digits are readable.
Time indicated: 11:02
